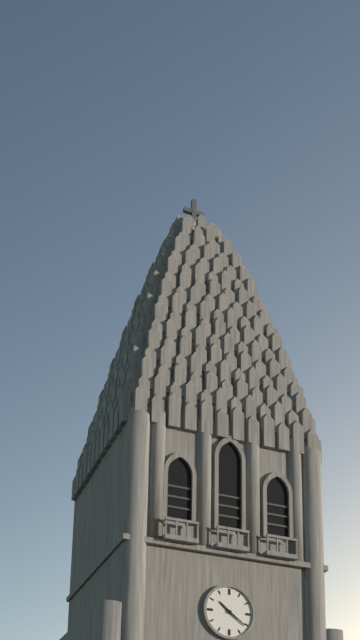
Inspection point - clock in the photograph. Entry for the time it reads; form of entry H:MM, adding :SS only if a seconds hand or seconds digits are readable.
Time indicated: 10:21
